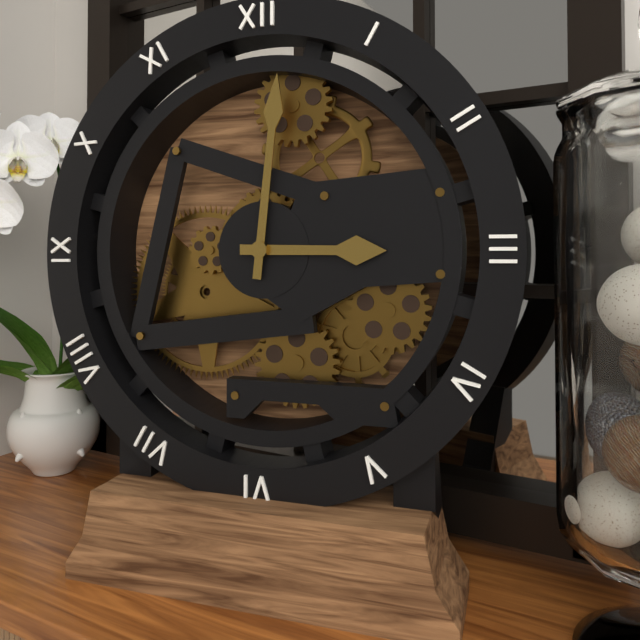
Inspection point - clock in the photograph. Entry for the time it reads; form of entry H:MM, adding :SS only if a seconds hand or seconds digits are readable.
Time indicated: 3:01
